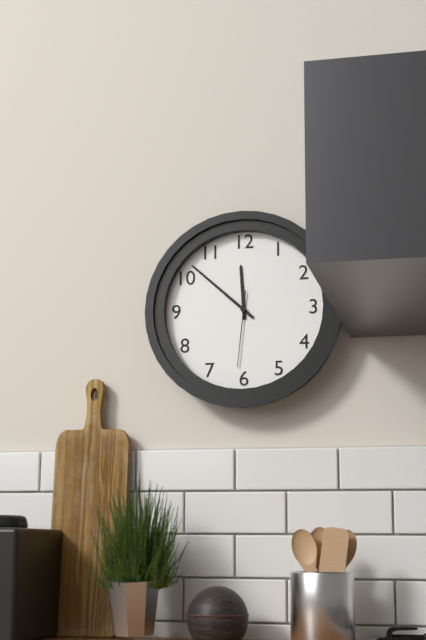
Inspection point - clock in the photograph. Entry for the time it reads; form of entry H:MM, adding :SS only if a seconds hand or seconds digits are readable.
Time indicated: 11:52:31
